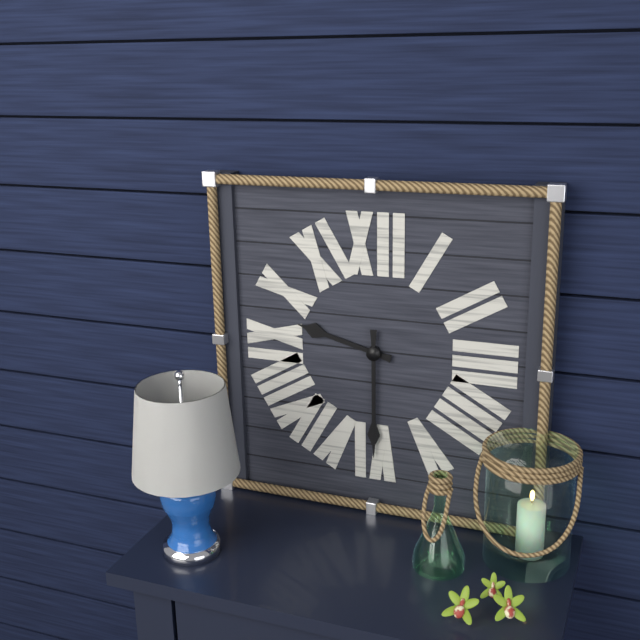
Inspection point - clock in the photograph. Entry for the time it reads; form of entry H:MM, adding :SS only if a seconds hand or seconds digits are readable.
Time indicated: 9:30
